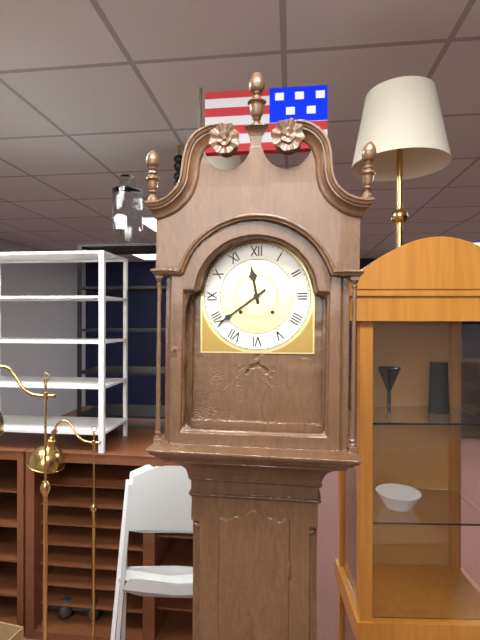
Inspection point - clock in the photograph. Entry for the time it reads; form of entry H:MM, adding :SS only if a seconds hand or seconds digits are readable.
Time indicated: 11:39
